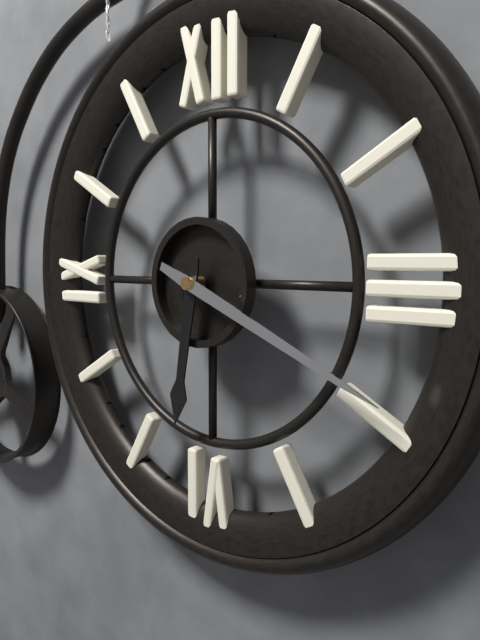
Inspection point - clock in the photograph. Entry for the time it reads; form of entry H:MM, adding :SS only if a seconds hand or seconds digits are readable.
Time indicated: 6:19
